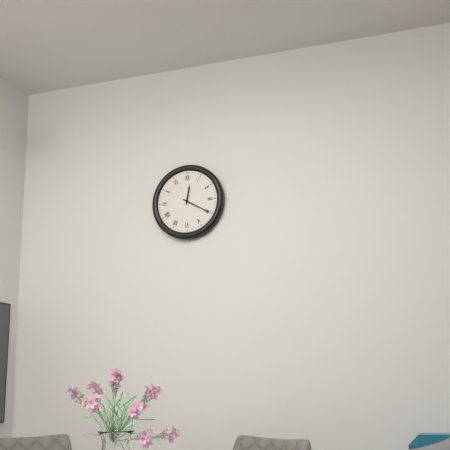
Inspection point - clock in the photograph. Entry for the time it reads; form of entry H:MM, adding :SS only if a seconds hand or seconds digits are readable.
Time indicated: 12:20
